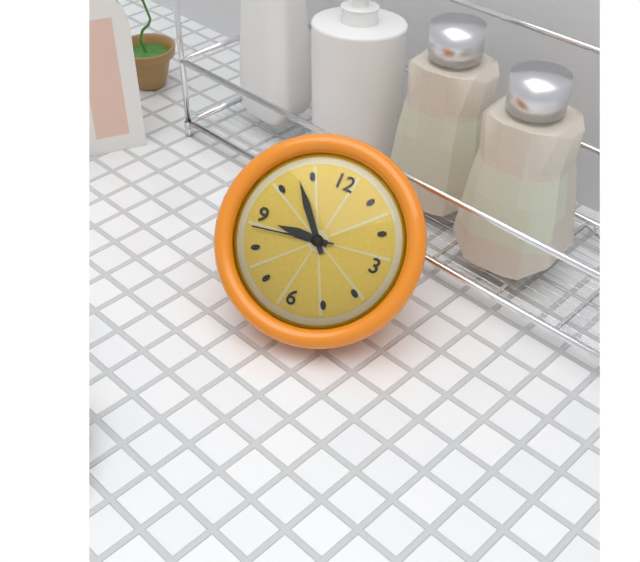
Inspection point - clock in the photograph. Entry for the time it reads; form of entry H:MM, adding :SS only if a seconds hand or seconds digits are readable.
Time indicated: 8:53:43
